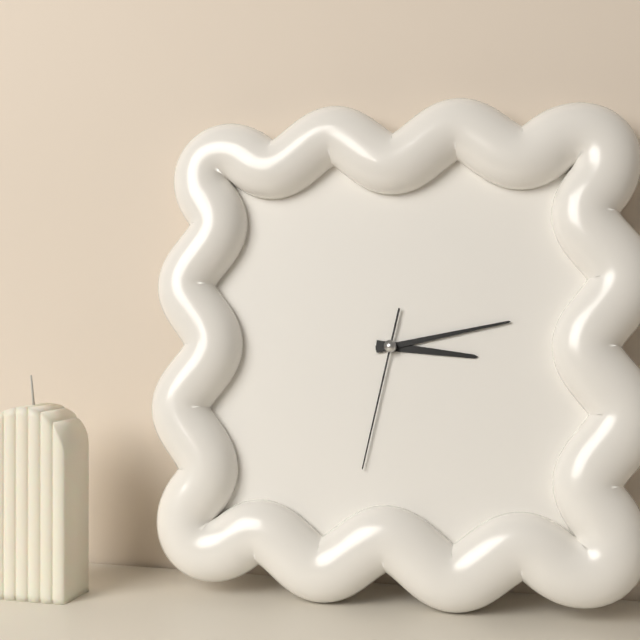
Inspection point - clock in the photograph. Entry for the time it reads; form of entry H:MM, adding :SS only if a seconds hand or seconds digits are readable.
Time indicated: 3:13:32
